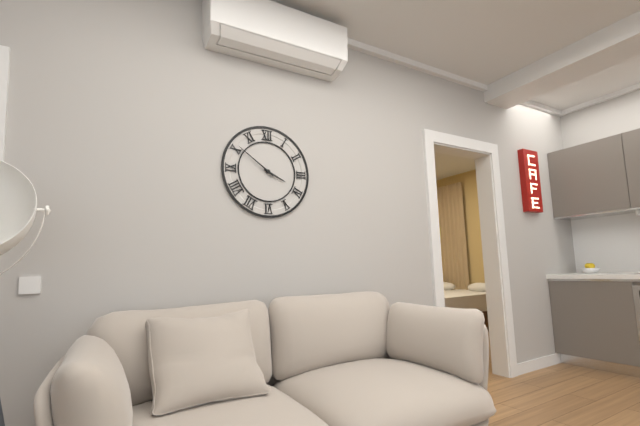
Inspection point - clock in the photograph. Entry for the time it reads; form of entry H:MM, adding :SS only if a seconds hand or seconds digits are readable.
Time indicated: 3:51
